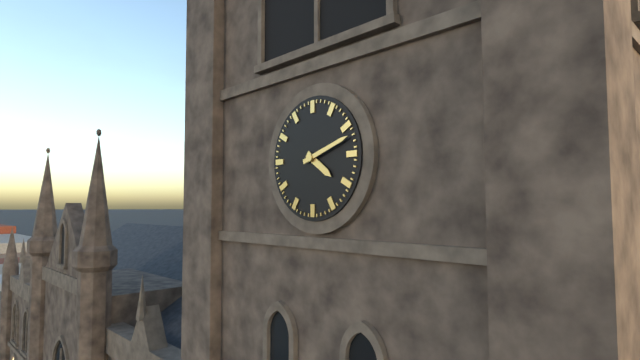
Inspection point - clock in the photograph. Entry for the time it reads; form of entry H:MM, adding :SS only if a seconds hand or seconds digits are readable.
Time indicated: 4:12
